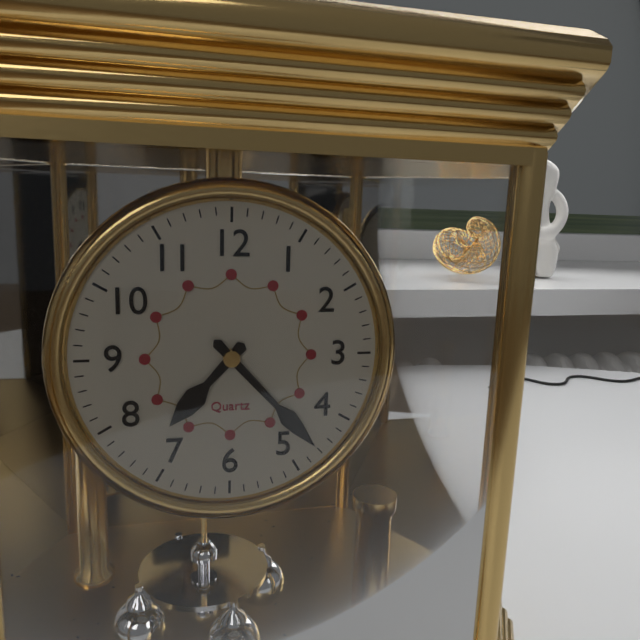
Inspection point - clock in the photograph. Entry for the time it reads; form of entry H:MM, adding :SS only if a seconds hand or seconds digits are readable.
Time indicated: 7:23
